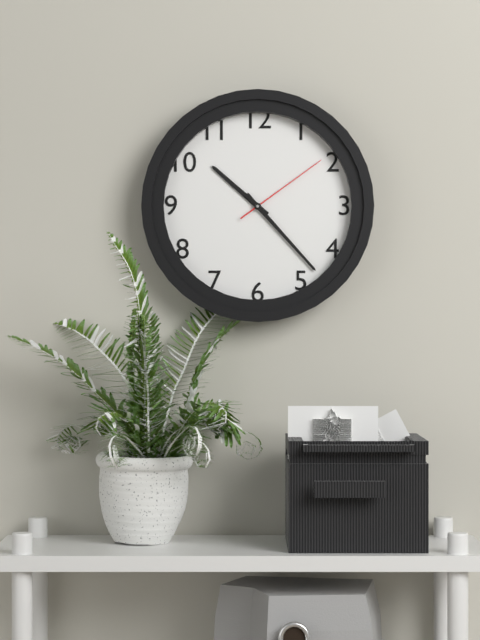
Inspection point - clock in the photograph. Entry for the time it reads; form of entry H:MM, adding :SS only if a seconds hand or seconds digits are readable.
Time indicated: 10:23:09
